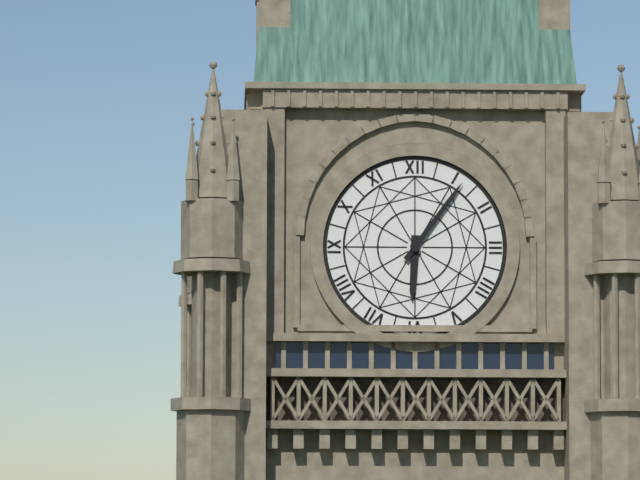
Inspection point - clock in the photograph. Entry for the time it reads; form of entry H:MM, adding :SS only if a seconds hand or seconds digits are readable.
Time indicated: 6:06
